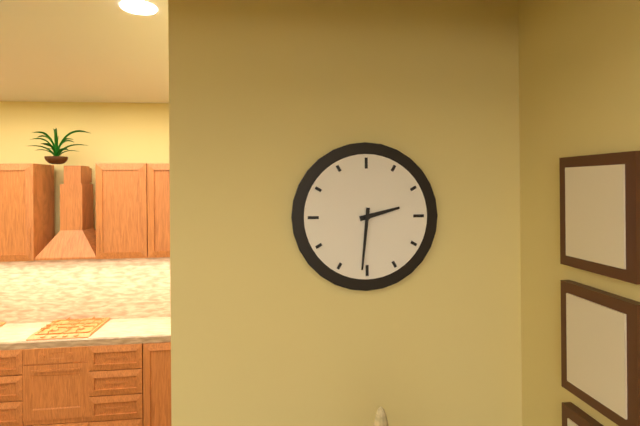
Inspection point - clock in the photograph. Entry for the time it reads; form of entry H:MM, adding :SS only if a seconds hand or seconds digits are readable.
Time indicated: 2:31
